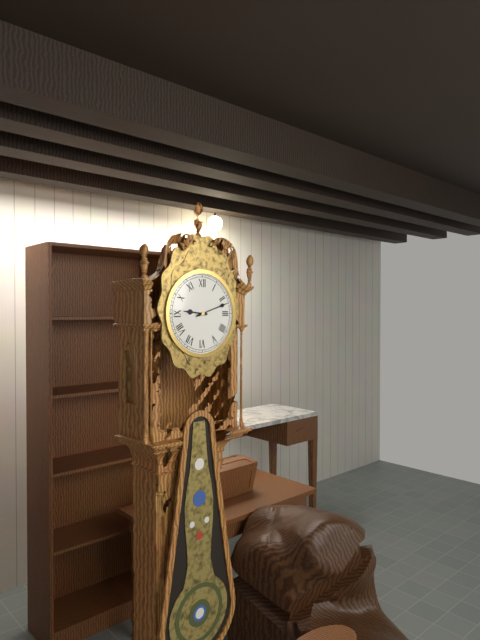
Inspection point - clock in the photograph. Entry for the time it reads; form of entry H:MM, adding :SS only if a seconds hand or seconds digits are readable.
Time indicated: 9:12
